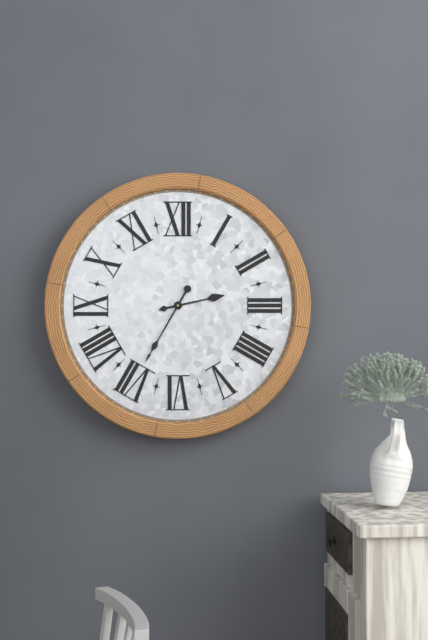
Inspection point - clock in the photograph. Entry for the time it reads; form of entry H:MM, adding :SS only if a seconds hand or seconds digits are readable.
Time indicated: 2:35
